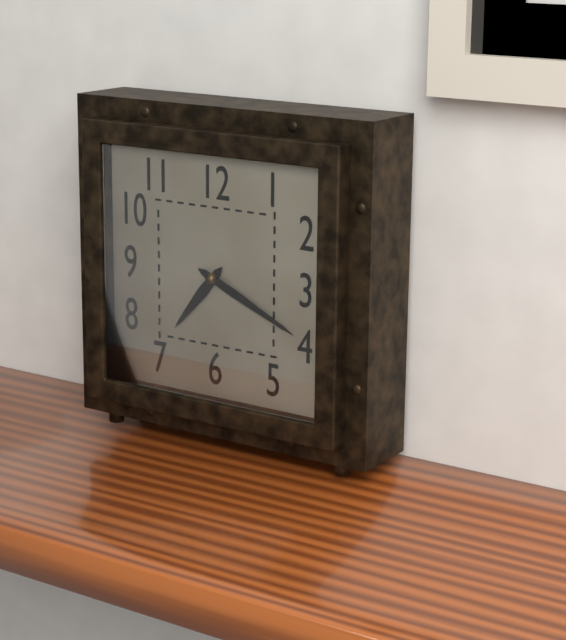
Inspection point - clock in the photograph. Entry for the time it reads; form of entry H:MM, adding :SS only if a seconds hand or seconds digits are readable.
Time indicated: 7:19
